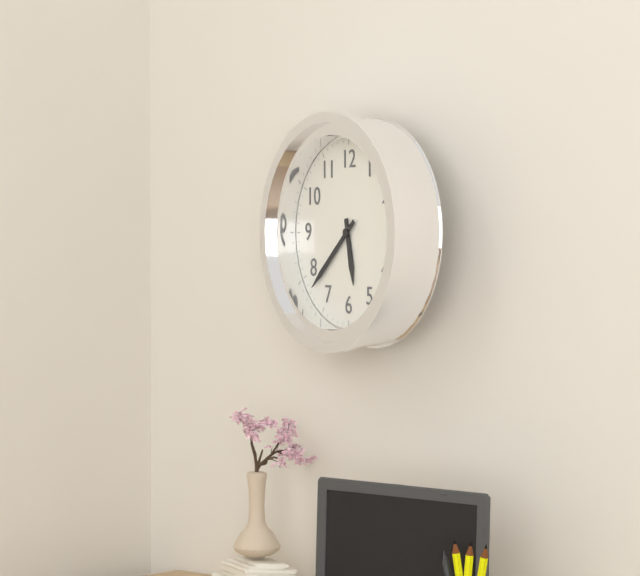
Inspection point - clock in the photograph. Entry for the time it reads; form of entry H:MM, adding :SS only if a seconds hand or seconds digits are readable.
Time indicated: 5:38
